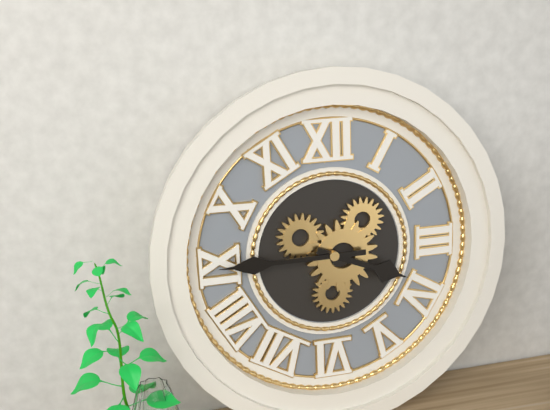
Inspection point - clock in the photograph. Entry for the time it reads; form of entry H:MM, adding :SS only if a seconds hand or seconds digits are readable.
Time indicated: 3:45
